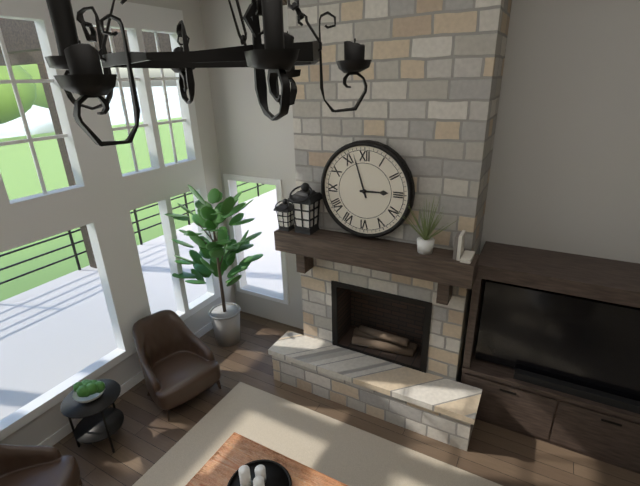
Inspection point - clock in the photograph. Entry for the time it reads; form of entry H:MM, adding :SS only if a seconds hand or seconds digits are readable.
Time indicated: 2:57
